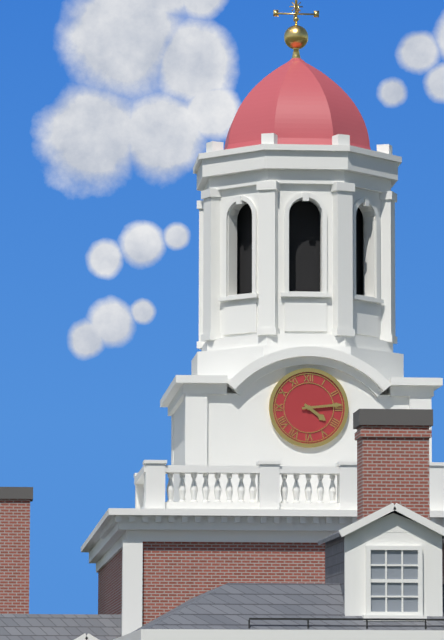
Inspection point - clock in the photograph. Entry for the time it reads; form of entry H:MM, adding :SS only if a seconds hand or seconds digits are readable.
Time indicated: 4:14
